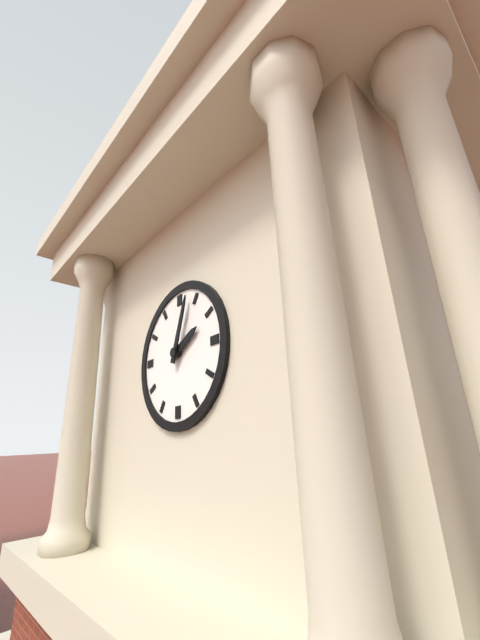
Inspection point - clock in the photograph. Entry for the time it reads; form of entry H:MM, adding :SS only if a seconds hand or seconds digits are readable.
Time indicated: 2:03
